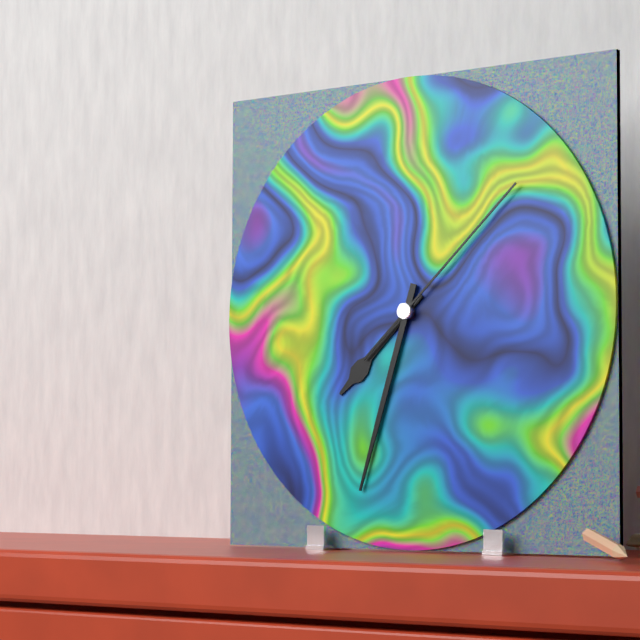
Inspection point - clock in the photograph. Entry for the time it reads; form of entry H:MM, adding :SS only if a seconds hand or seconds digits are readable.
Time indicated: 7:33:08
